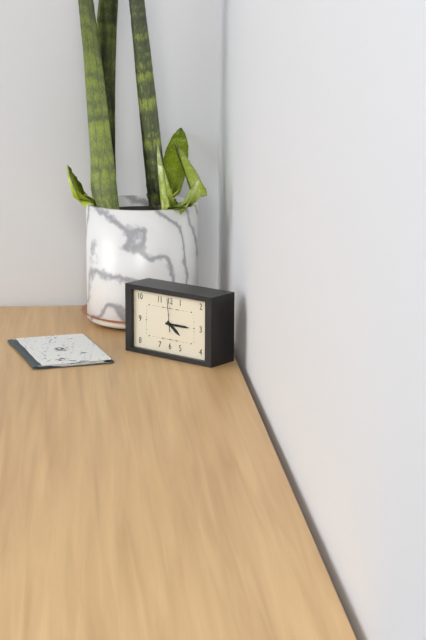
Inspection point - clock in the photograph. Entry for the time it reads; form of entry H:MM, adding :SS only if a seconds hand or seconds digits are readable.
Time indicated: 4:15
